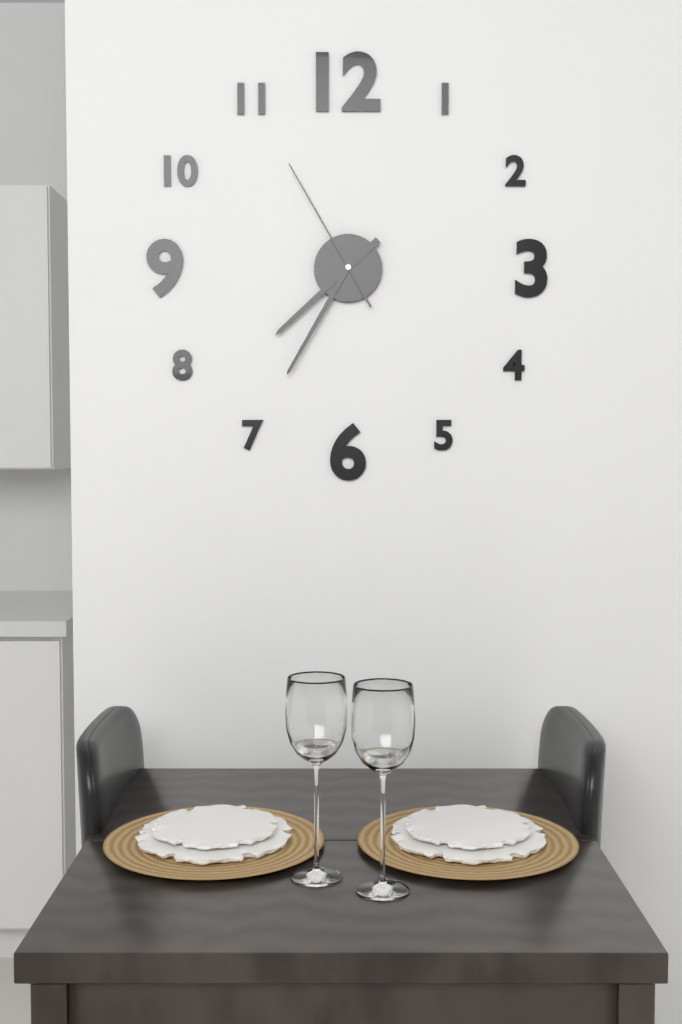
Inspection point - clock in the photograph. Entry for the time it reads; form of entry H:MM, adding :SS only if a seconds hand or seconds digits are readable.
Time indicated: 7:35:55
